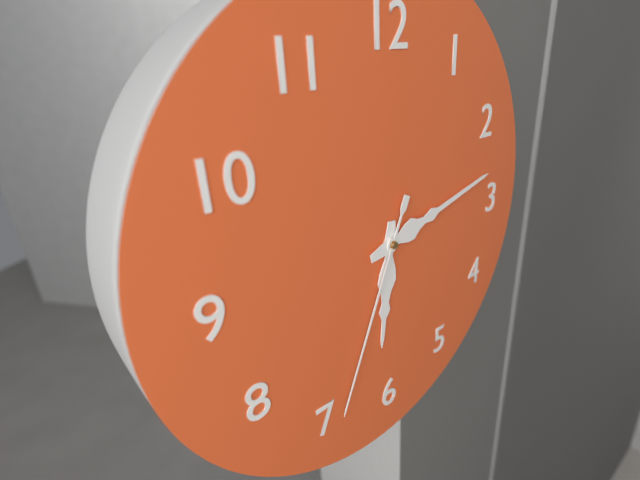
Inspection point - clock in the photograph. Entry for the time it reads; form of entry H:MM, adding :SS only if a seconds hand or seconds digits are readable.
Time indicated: 6:13:34
